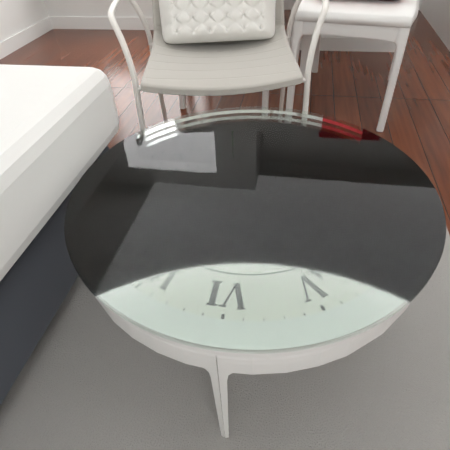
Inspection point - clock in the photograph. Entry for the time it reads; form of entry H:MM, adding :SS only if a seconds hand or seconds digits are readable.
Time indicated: 4:24
